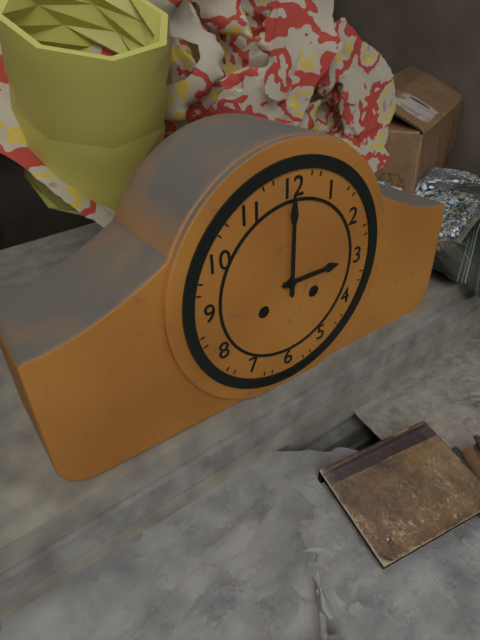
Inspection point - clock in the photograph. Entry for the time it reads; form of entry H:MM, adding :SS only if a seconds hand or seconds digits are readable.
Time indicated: 3:00
